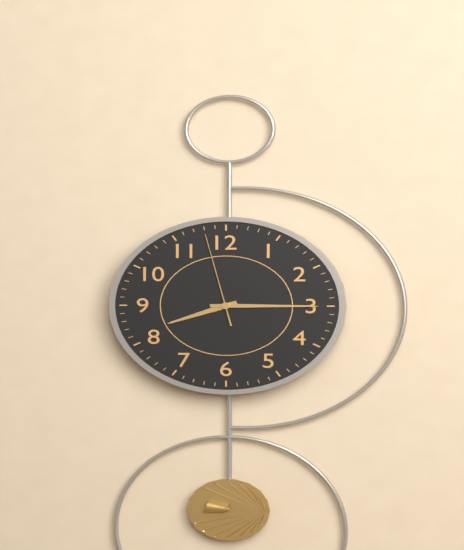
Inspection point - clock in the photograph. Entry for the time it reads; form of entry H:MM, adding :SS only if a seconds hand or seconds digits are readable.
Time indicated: 8:15:58
